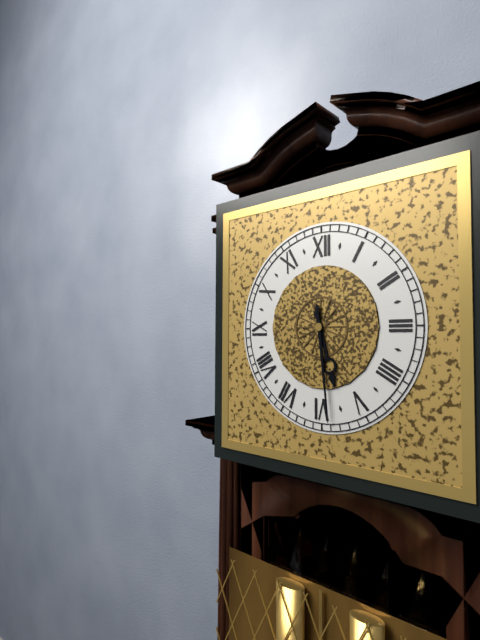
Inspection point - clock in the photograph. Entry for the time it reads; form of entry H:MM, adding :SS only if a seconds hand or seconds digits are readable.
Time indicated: 5:29
